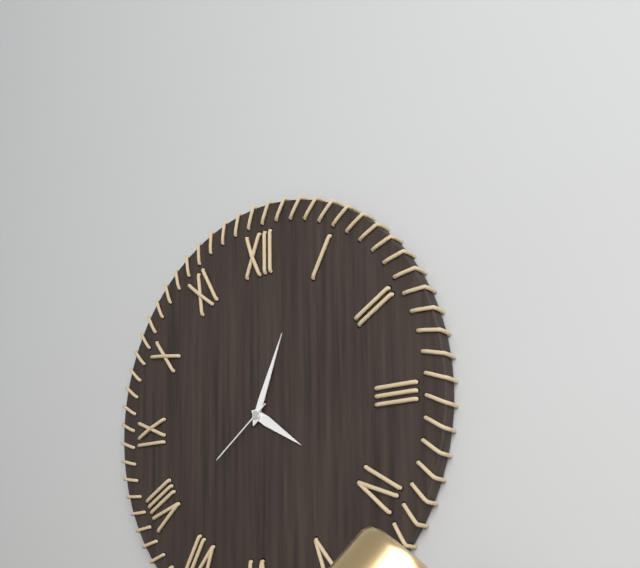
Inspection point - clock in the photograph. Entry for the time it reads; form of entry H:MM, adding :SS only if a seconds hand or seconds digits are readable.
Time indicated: 4:04:39
